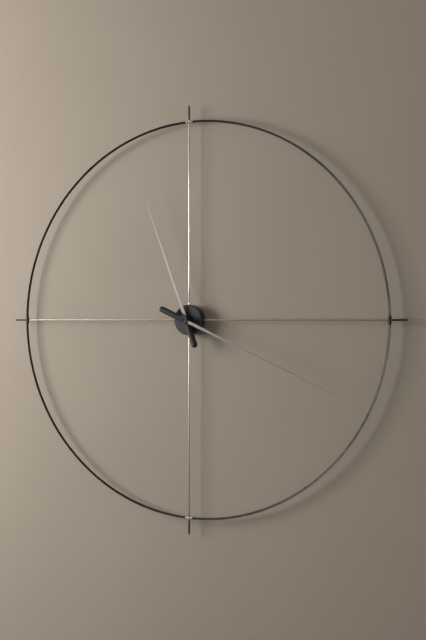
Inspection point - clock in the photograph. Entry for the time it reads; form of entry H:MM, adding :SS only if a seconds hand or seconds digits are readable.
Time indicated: 11:19
